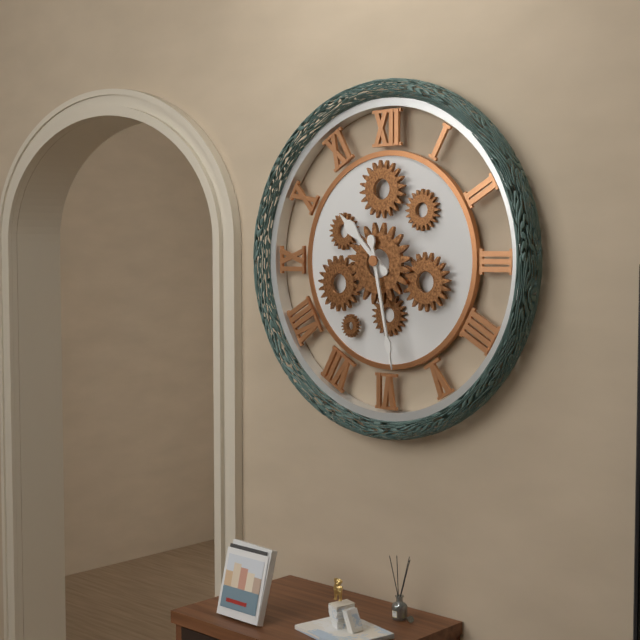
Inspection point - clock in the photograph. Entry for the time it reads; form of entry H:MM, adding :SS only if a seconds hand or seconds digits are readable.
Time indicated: 10:28
